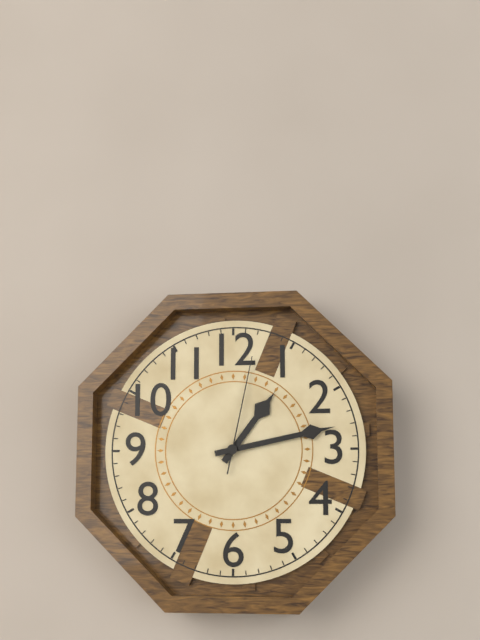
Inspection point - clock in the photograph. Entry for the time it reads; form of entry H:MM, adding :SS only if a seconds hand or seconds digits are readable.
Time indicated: 1:13:02
